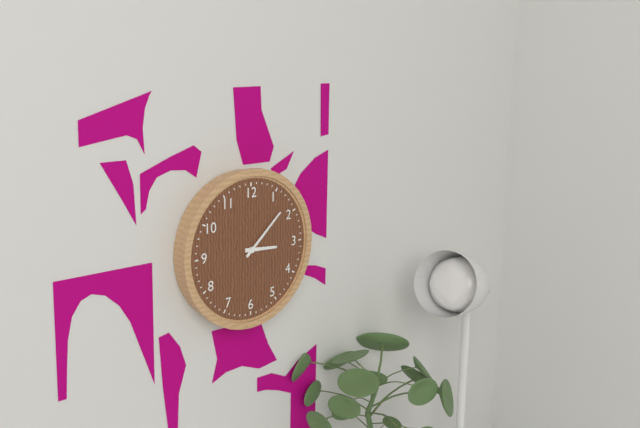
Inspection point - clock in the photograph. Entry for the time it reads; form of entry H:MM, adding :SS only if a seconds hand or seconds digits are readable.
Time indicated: 3:08
